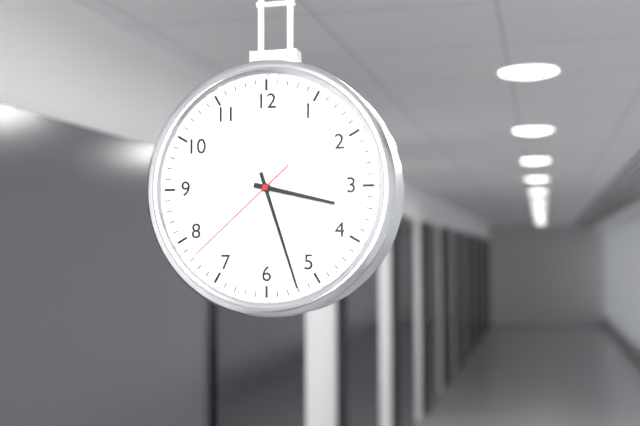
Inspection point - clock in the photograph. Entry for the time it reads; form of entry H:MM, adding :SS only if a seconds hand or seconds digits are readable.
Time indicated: 3:27:38
